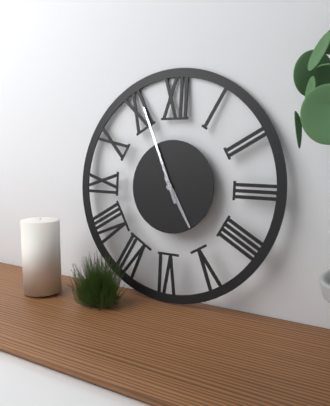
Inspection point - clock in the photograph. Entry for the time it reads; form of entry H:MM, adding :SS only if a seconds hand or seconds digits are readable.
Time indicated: 4:56
